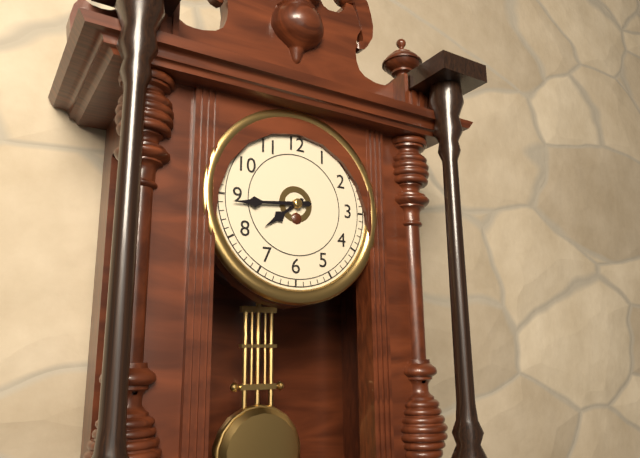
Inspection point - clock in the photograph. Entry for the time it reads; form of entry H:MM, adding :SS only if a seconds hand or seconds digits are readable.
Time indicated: 7:44
